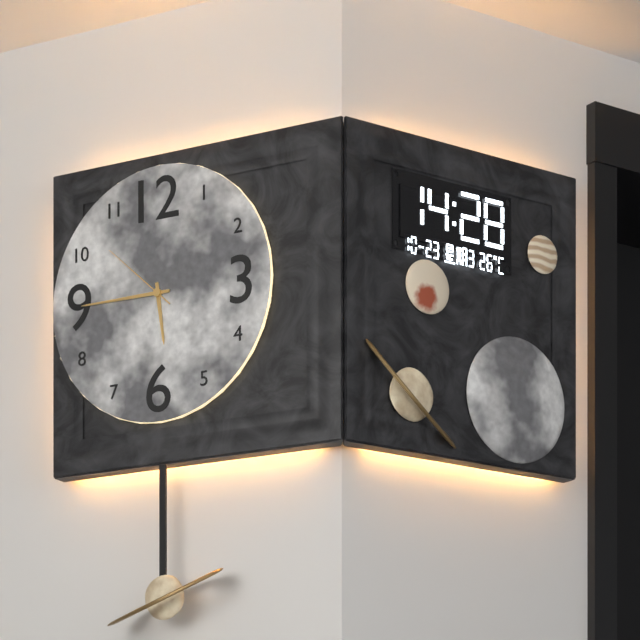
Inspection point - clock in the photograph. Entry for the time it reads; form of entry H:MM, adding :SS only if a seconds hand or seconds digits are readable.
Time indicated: 5:45:52
